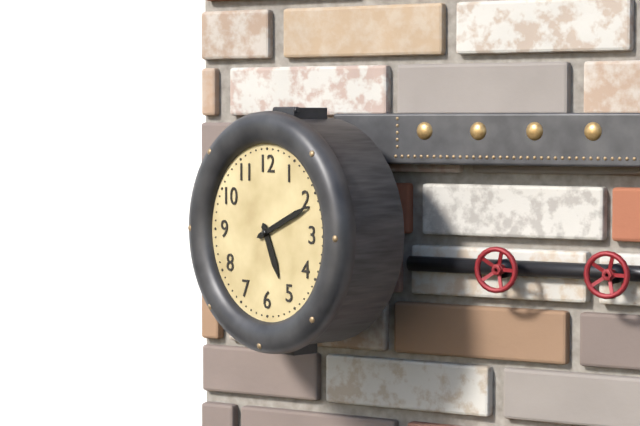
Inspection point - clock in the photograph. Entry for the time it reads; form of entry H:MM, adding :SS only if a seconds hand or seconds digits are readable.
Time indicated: 5:11
